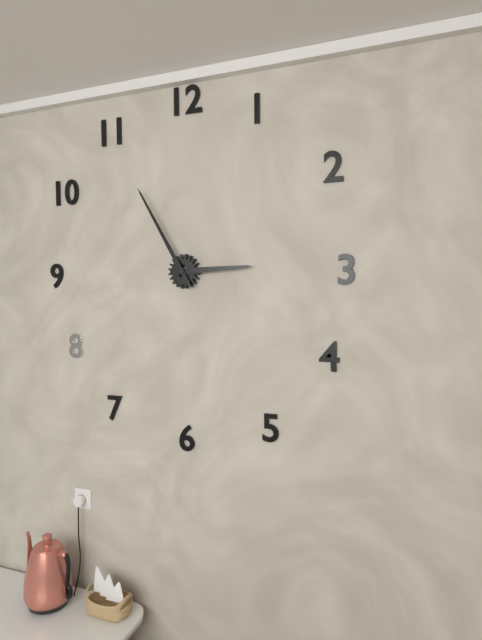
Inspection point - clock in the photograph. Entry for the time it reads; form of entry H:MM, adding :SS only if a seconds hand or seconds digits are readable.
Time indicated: 2:55
